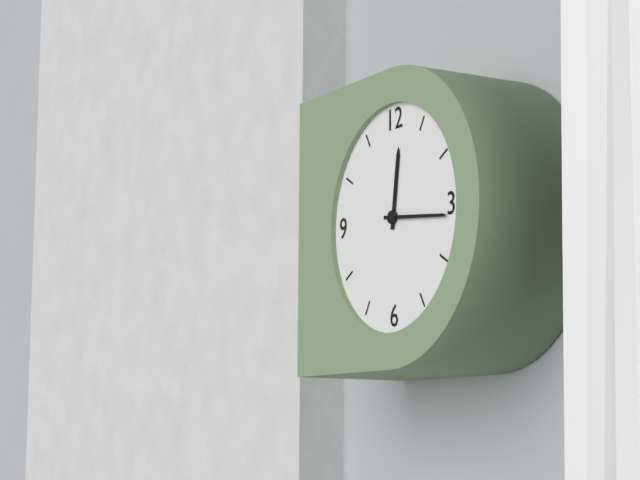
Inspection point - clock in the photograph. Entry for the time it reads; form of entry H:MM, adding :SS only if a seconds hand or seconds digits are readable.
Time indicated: 12:16
